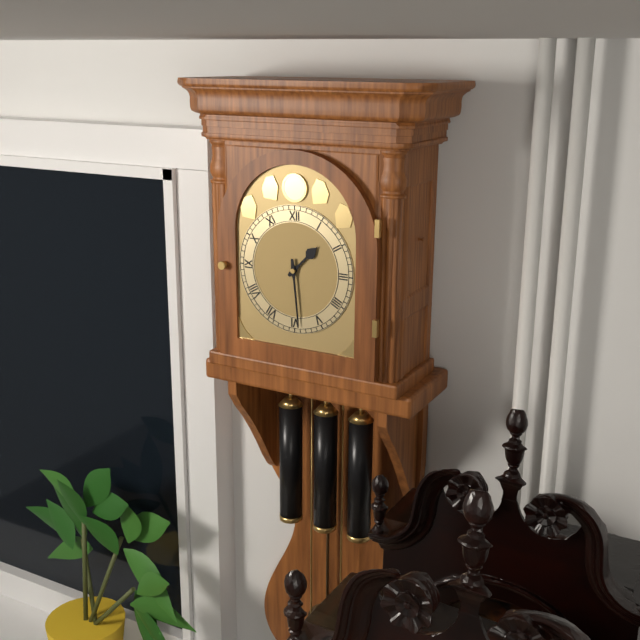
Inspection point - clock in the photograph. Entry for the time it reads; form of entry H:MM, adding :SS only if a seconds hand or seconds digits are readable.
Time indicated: 1:29
